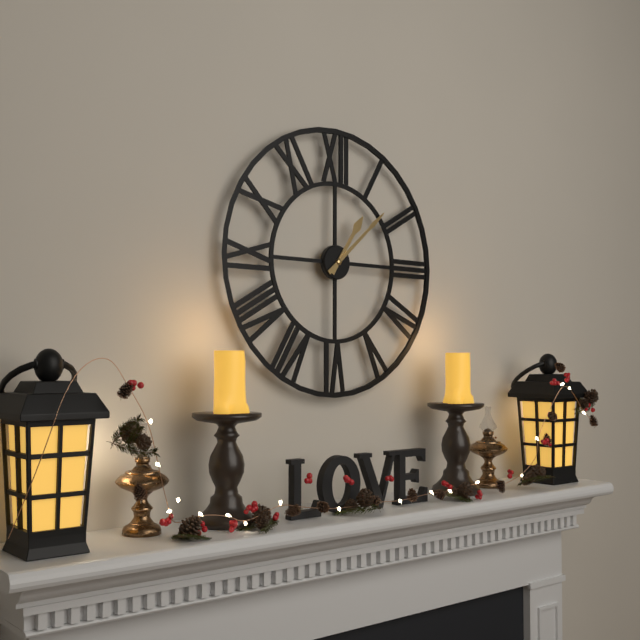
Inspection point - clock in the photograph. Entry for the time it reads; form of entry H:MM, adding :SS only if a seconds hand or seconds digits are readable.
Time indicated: 1:08
